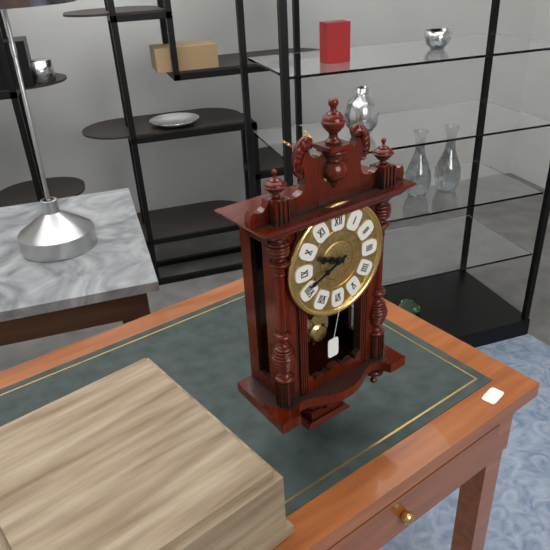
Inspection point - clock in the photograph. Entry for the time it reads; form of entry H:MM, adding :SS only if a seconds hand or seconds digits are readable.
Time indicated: 9:41
